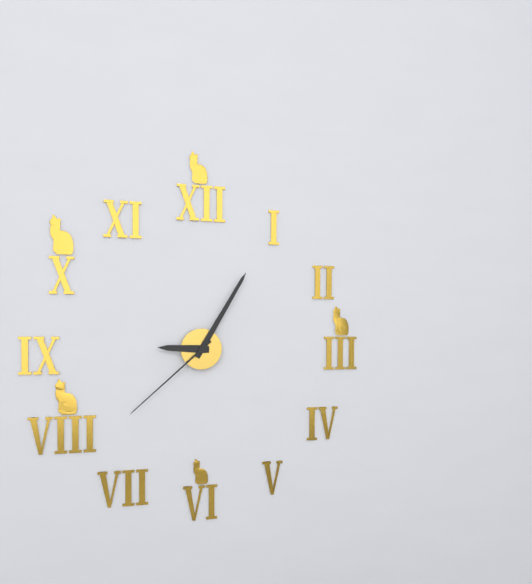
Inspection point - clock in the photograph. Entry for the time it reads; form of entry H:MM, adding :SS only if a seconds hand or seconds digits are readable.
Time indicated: 9:05:38
